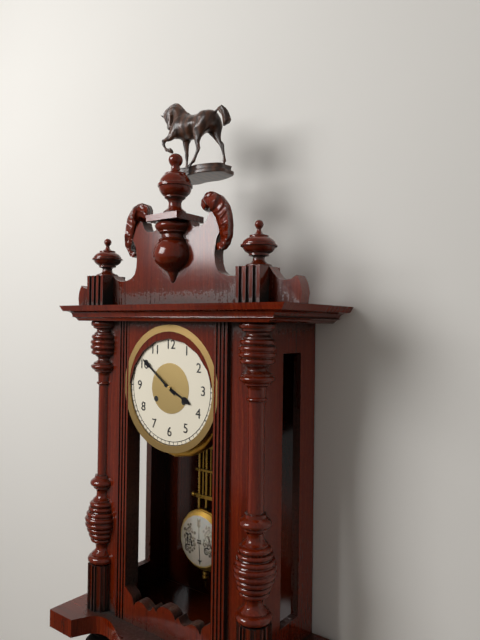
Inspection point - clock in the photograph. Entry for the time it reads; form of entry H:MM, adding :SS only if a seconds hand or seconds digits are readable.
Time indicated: 3:51
